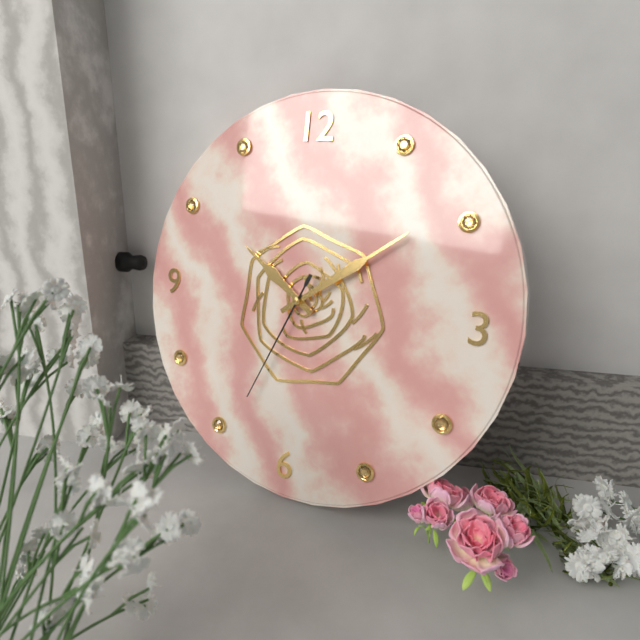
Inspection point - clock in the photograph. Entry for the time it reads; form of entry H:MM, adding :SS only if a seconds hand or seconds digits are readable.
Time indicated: 10:09:34
